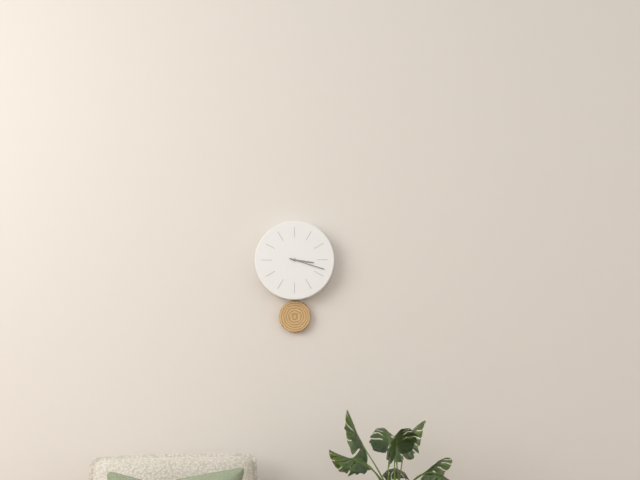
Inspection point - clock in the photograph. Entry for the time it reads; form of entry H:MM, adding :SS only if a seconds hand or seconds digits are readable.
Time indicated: 3:18
